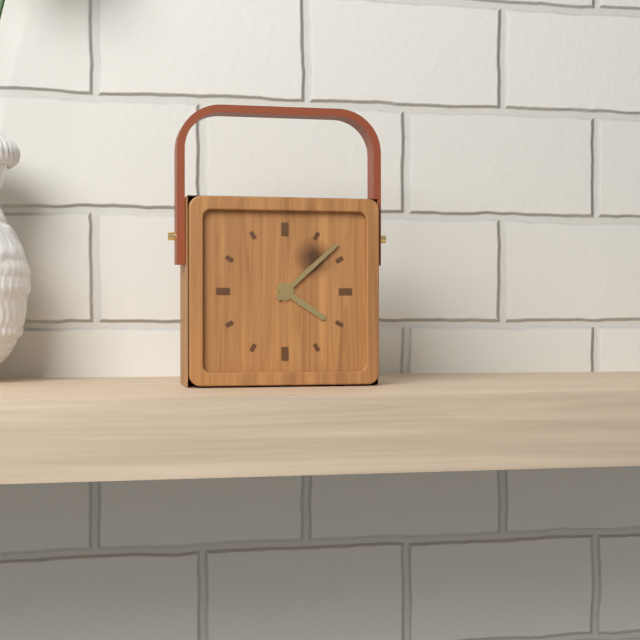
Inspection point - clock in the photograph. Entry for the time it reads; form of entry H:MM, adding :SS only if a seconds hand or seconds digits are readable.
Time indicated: 4:08
